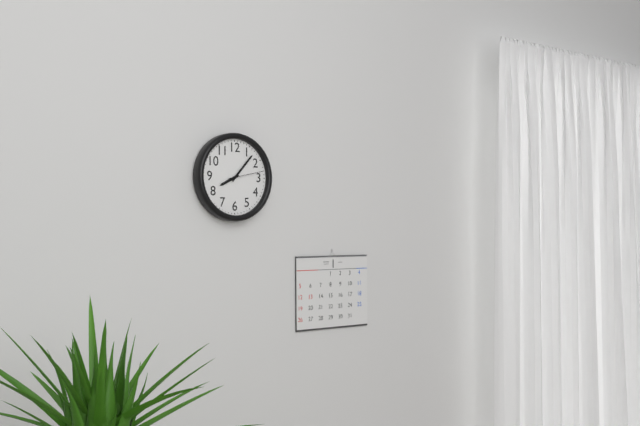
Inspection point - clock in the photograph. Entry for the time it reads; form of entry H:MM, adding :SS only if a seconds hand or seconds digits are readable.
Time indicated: 8:07
